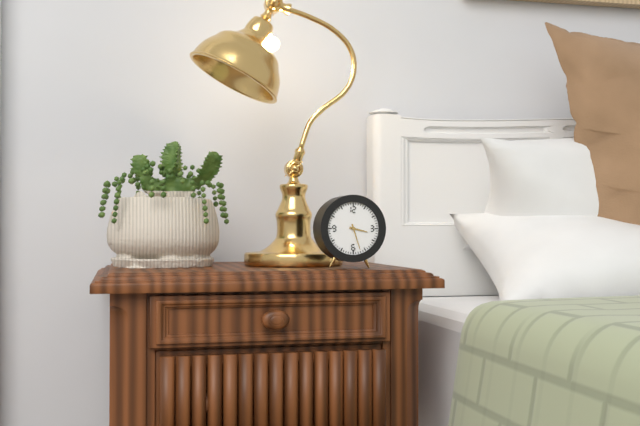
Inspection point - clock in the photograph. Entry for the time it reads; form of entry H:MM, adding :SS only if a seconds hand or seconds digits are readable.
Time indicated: 3:27
